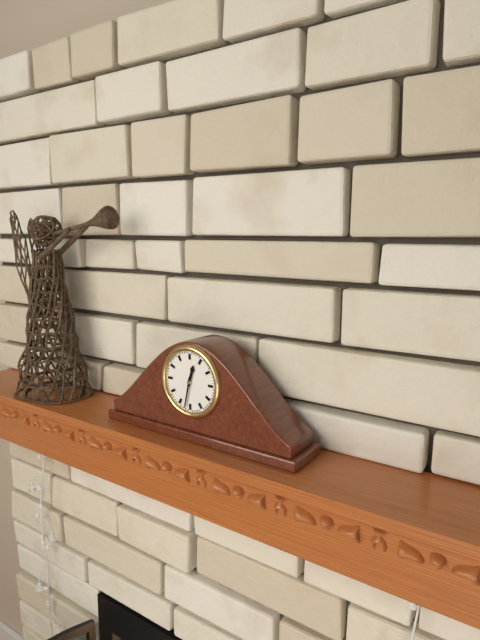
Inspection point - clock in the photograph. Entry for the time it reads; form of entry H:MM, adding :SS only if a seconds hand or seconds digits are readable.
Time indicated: 12:32
